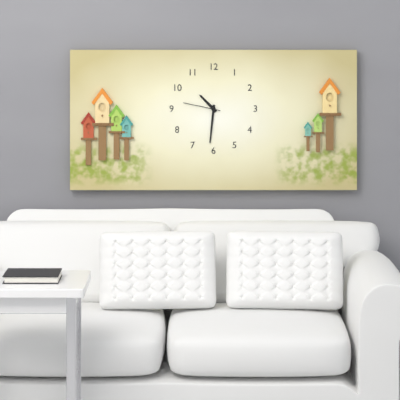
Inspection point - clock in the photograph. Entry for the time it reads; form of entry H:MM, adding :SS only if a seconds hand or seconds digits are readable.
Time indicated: 10:31
